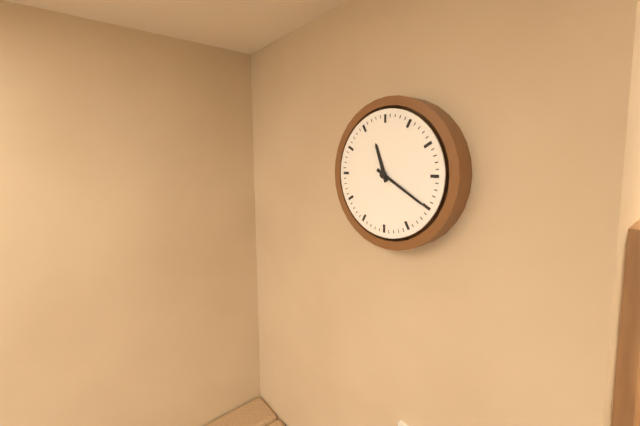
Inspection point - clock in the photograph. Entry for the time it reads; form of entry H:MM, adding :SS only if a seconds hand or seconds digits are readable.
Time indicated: 11:20
